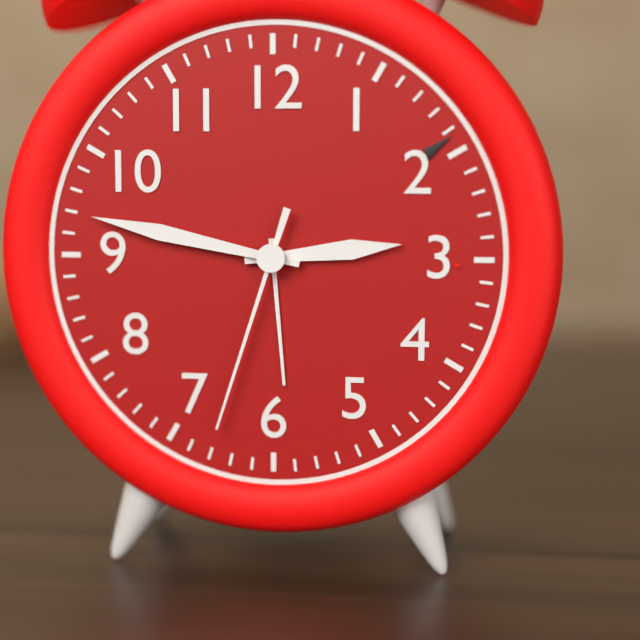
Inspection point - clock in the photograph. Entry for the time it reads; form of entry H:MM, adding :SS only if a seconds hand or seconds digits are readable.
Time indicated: 2:47:33
